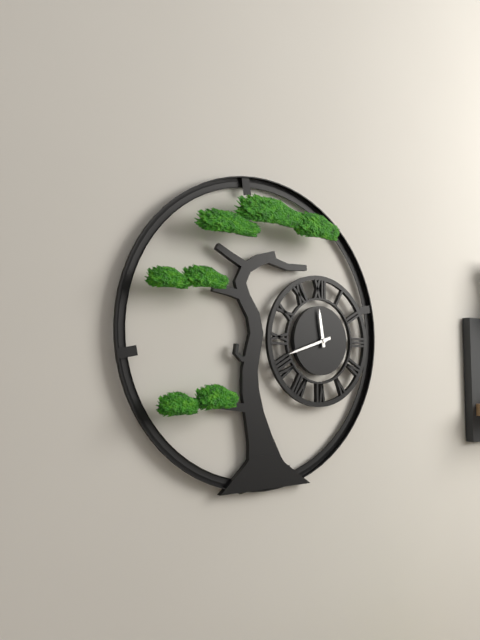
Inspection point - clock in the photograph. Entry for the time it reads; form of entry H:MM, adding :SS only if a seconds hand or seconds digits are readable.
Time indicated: 11:42
